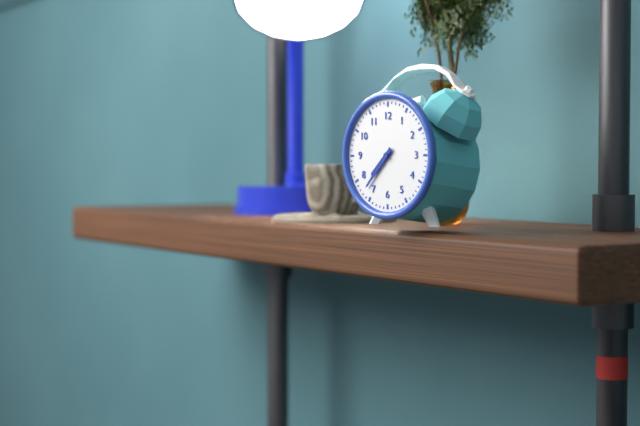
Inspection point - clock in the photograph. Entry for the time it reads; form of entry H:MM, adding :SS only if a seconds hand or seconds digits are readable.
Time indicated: 7:37
